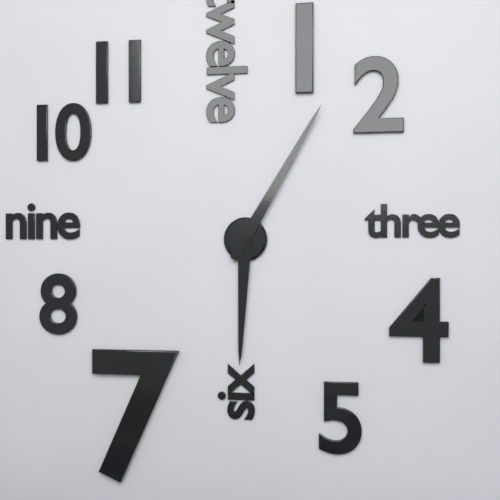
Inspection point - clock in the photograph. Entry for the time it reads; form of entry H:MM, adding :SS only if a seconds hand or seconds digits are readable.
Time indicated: 6:05
